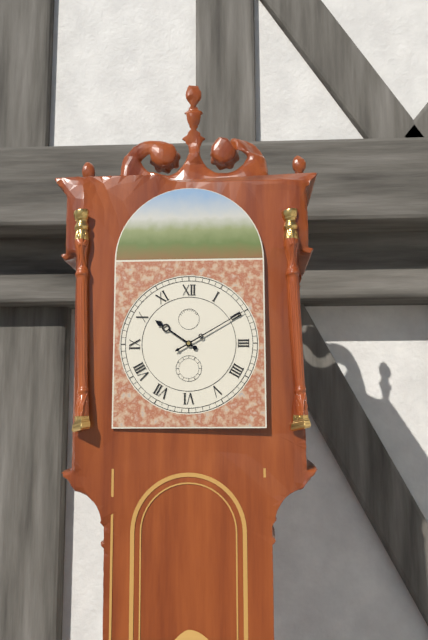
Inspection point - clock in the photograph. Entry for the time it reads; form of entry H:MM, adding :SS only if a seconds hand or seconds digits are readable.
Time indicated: 10:10
